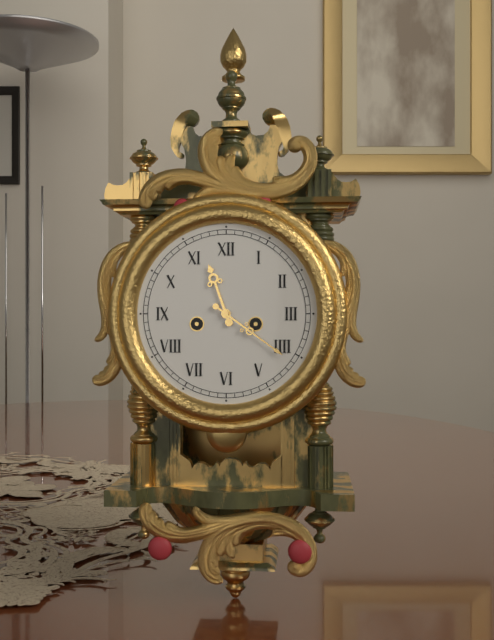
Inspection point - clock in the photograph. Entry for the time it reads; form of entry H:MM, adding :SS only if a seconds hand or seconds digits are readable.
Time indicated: 11:21
